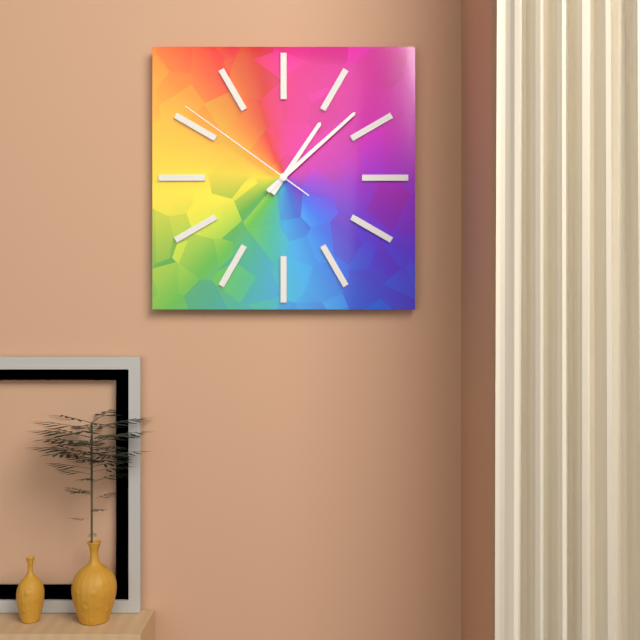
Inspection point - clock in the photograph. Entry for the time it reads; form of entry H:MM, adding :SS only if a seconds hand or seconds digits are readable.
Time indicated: 1:08:51
